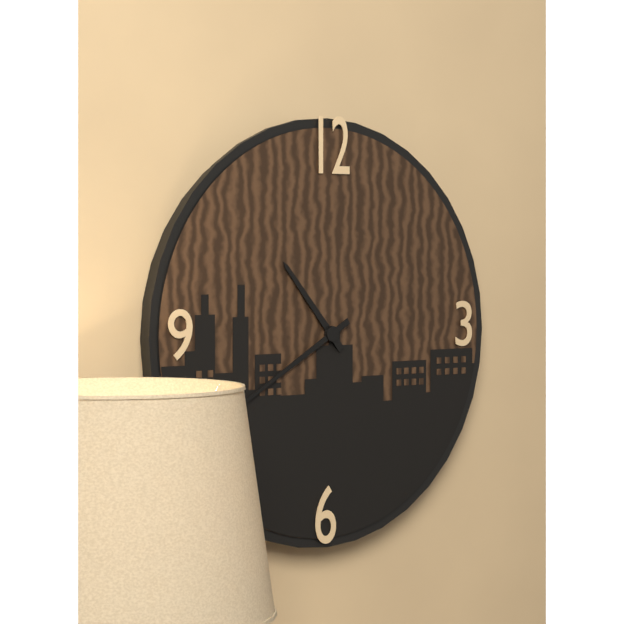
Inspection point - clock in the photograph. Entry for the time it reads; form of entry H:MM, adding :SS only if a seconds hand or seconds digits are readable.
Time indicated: 10:40
